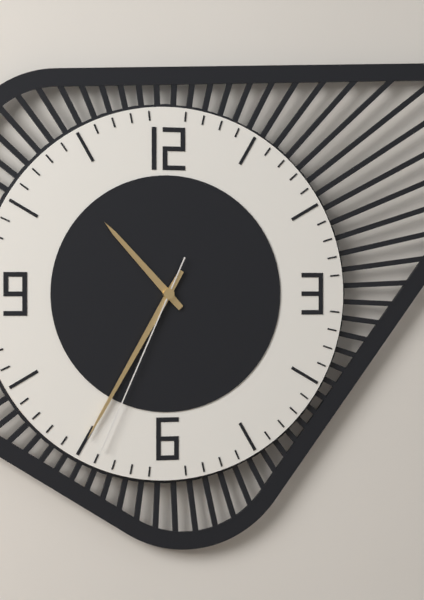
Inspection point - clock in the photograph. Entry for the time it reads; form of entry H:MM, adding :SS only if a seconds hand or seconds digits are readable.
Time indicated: 10:35:34
